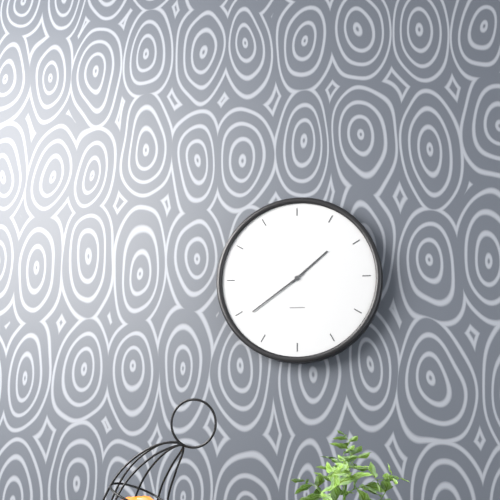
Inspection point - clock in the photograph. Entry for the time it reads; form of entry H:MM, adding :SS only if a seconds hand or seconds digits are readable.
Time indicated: 1:39
